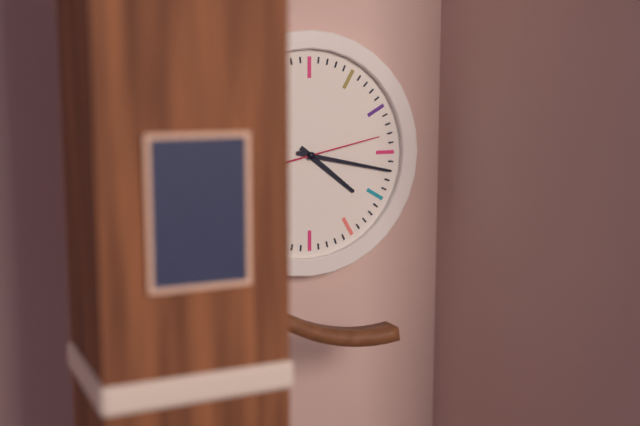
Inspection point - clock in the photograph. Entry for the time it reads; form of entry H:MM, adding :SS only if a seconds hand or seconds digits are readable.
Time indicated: 4:17:13
